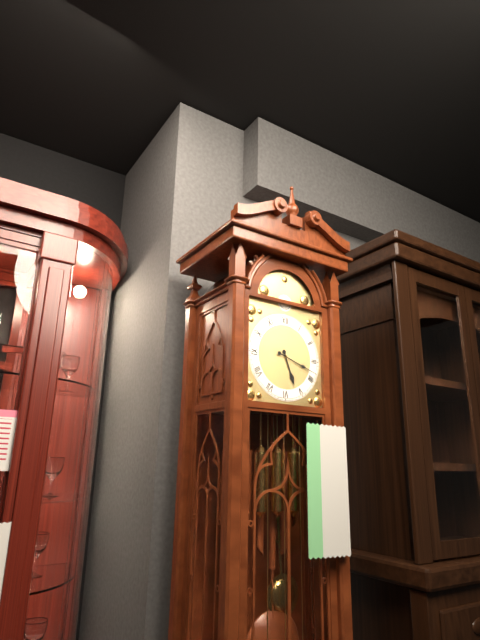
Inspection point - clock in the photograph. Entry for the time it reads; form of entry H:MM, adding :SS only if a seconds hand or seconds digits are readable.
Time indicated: 5:18
